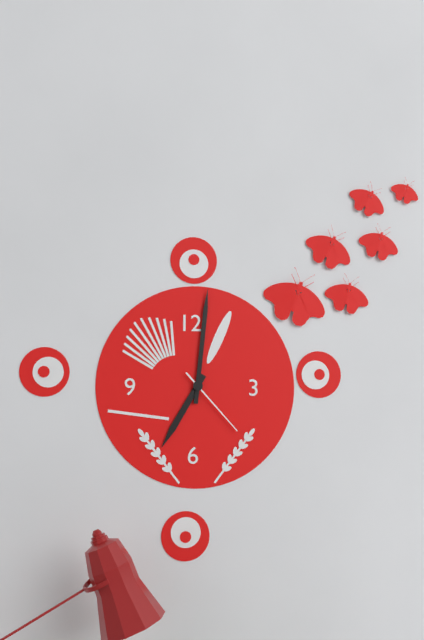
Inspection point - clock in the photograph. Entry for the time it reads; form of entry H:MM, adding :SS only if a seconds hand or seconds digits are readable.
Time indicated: 7:01:23
